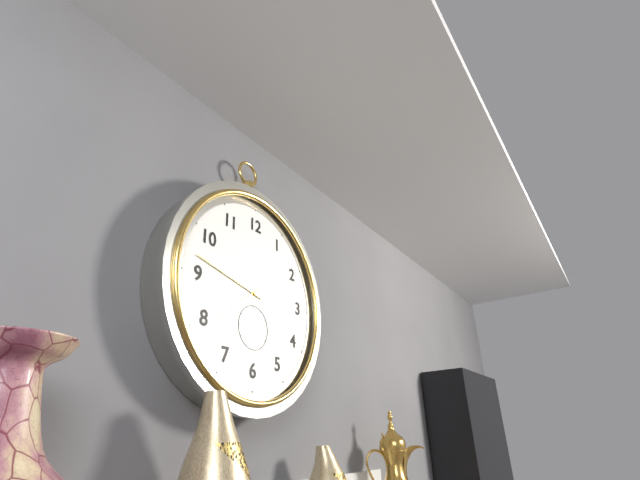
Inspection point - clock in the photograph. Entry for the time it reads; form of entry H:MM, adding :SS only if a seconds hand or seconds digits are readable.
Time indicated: 7:47
